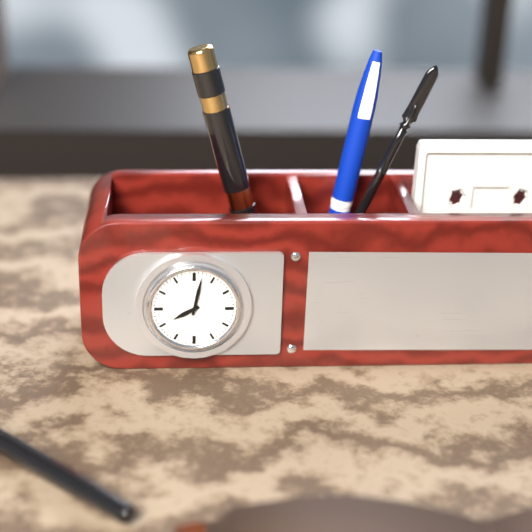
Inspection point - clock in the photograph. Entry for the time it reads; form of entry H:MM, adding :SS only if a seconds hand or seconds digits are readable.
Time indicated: 8:02
